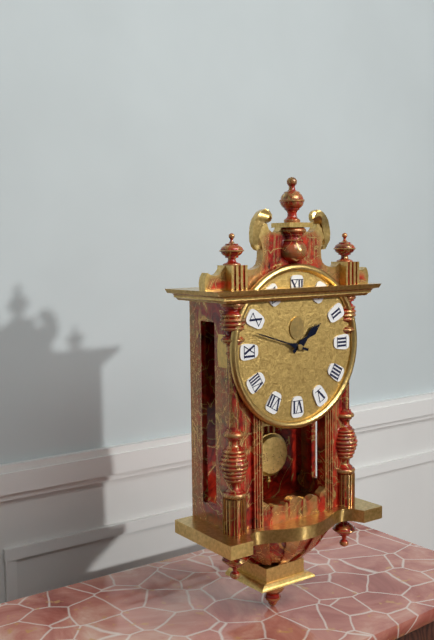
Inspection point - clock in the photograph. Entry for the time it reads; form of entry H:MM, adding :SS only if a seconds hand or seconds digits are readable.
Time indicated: 1:48
